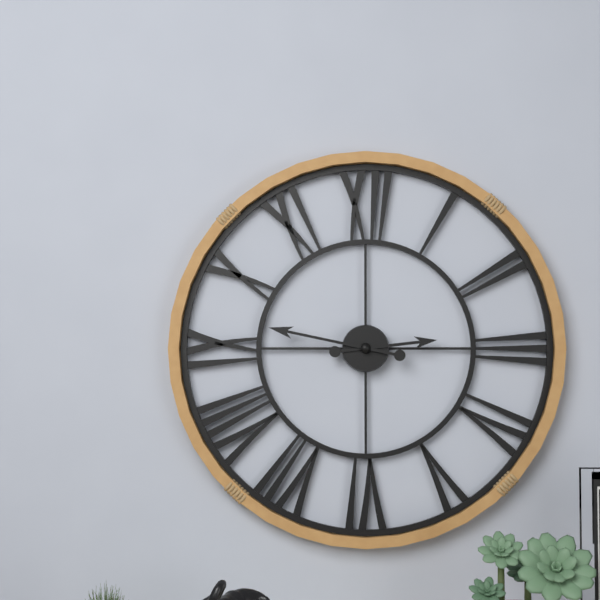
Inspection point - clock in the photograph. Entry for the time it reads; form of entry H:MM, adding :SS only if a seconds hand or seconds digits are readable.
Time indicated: 2:47
